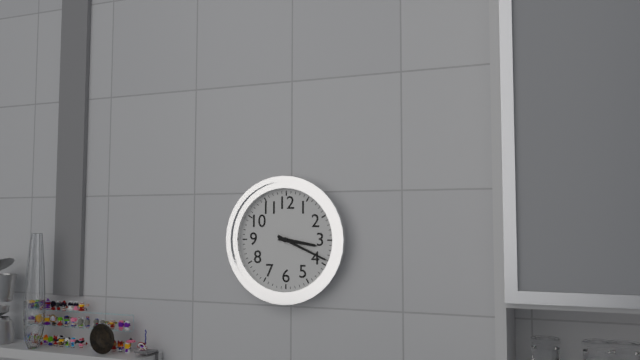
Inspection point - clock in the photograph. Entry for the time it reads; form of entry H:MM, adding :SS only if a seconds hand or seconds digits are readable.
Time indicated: 3:19
